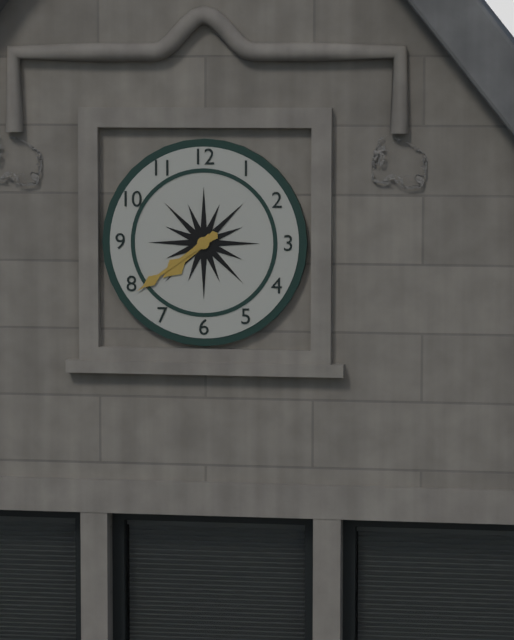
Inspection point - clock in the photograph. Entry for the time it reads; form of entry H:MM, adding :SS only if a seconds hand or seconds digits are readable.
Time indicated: 7:39
